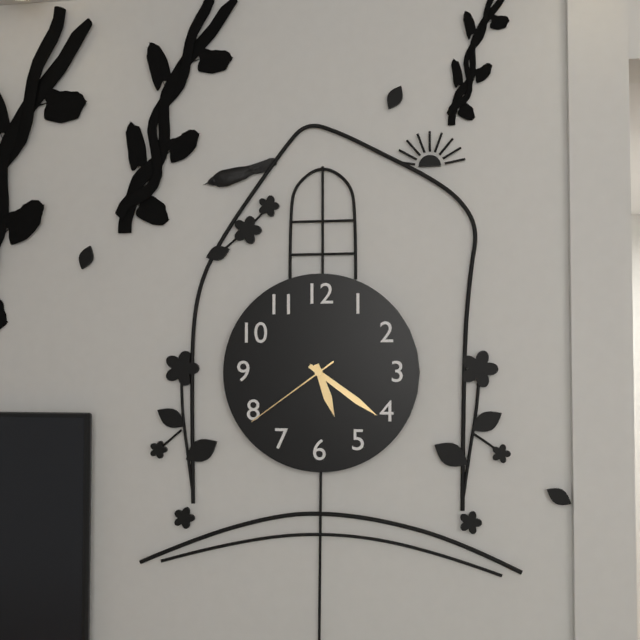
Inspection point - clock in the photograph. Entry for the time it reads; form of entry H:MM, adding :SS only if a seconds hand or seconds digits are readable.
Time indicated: 5:21:39
